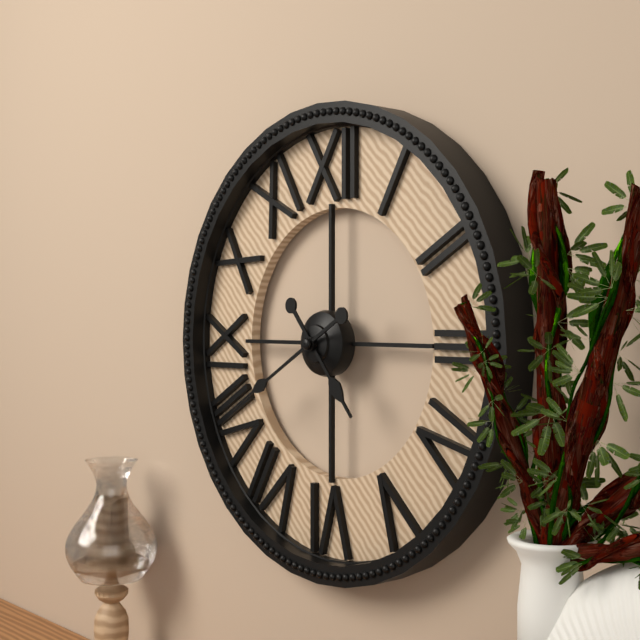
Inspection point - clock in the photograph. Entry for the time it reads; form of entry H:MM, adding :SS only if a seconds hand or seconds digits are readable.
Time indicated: 4:40
